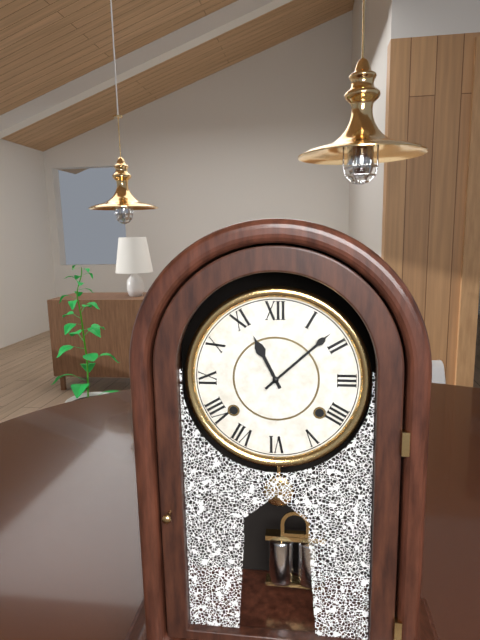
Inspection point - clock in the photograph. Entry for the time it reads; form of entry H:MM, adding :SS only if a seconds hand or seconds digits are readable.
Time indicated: 11:08
